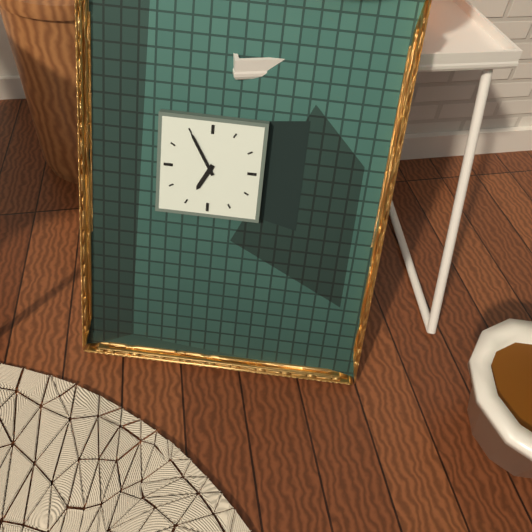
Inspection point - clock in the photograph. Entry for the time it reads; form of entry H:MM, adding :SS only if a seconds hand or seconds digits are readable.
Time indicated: 6:55
